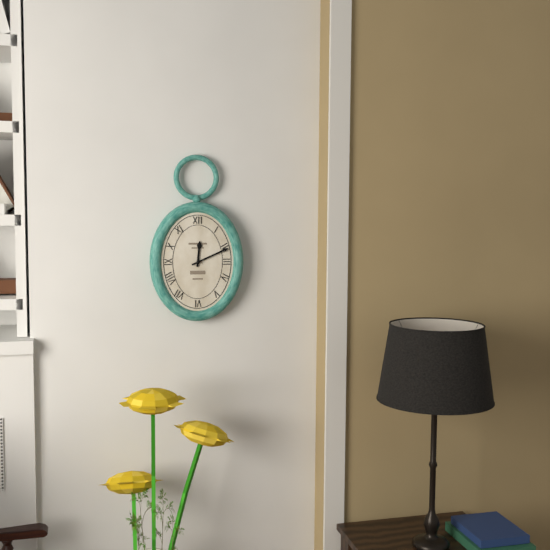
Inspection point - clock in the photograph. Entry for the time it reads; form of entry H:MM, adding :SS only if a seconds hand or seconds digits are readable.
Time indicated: 12:11
